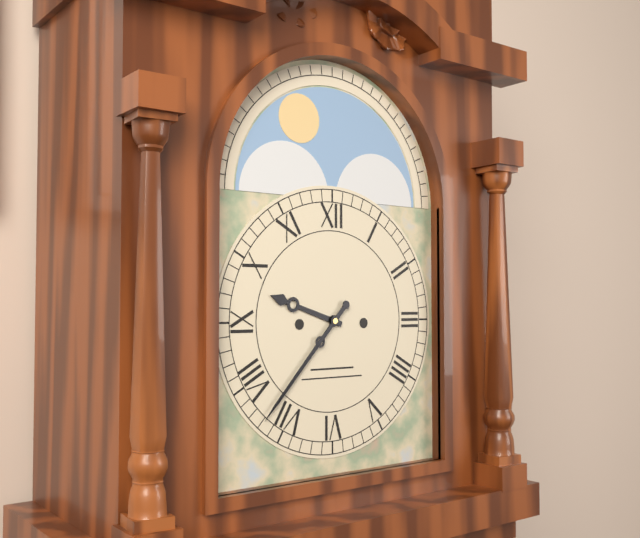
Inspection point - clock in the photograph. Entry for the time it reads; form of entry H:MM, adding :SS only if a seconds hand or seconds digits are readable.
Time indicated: 9:37
